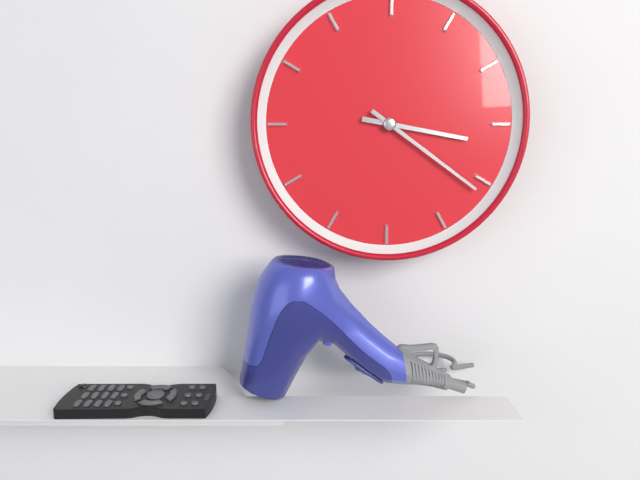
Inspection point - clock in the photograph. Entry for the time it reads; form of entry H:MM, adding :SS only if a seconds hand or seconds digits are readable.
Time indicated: 3:21
